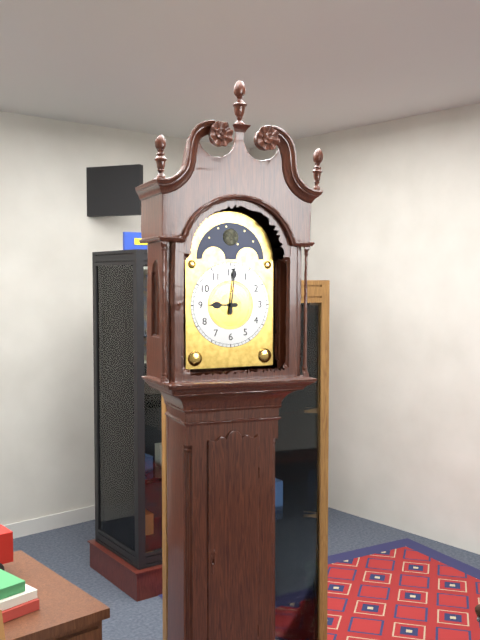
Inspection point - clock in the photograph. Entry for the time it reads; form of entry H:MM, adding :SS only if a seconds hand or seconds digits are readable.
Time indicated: 9:01
